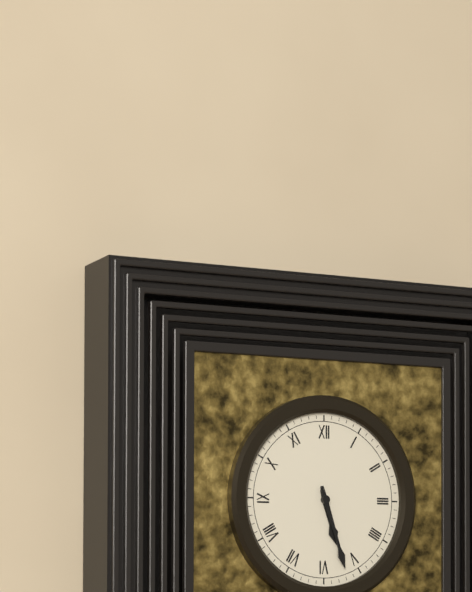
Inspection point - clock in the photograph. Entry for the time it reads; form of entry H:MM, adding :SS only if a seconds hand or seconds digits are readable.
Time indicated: 5:27
